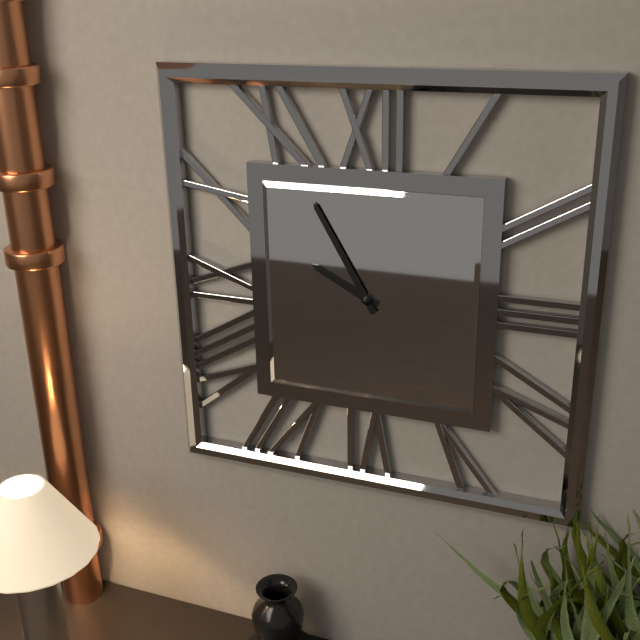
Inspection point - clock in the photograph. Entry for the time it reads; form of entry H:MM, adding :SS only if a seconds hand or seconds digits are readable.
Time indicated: 9:55
